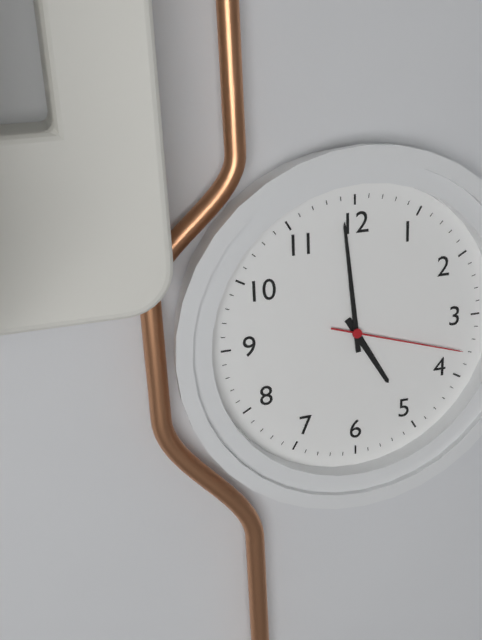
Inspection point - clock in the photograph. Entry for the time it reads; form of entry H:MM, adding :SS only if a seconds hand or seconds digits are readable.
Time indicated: 4:59:18
